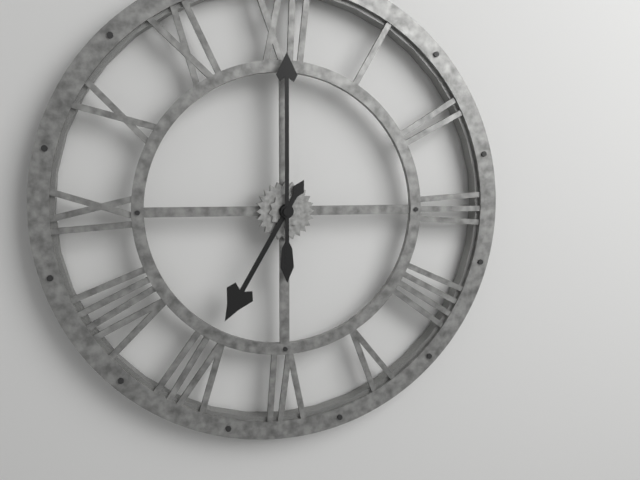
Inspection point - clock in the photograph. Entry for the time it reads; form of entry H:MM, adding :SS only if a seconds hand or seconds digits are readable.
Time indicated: 7:00
